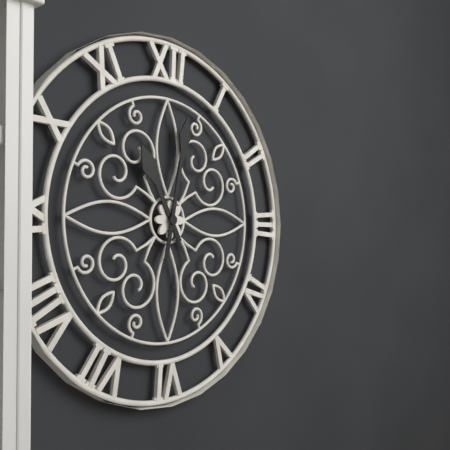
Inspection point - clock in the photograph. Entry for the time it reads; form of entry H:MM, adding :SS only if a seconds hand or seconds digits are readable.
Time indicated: 11:02
